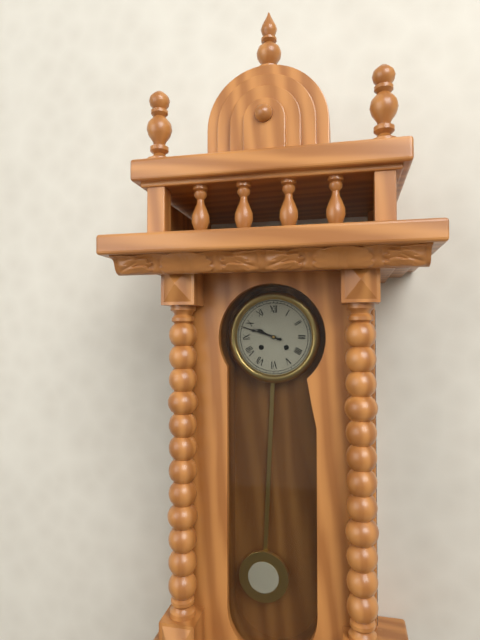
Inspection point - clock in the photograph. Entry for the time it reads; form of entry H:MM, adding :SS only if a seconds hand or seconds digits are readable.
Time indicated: 9:48
